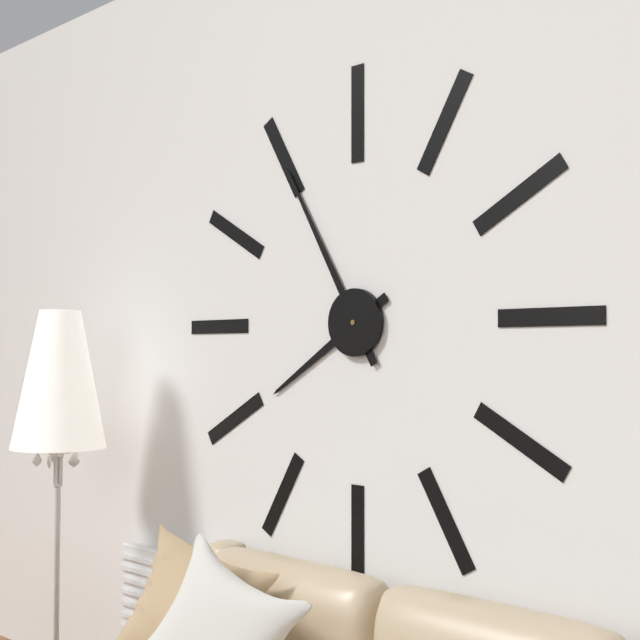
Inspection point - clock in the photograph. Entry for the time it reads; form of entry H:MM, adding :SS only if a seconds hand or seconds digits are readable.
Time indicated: 7:55
